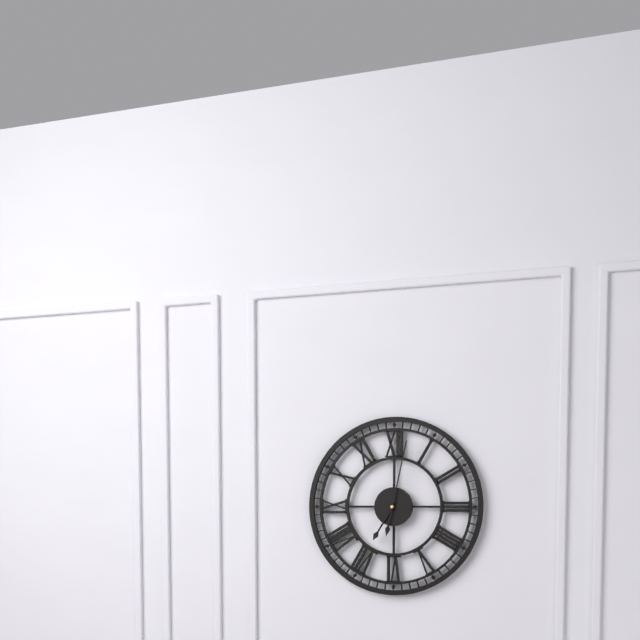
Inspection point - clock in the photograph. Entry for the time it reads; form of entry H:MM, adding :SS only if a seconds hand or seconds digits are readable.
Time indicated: 7:02
